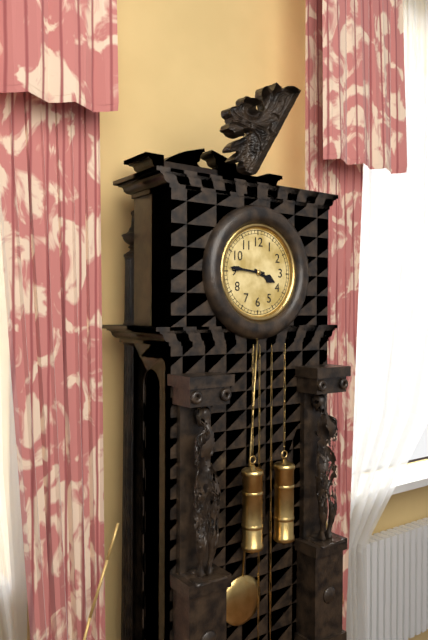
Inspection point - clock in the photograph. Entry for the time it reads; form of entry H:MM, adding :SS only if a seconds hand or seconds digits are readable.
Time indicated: 3:46
